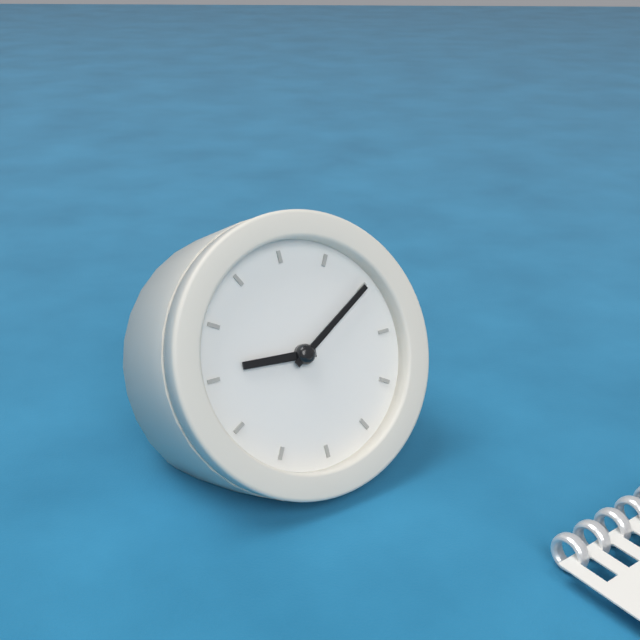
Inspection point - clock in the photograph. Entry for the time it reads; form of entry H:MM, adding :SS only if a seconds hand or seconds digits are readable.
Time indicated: 9:10
